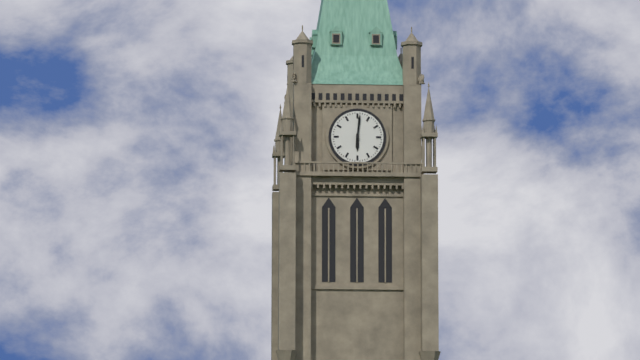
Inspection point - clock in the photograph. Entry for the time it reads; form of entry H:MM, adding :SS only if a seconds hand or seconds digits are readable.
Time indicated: 6:01
